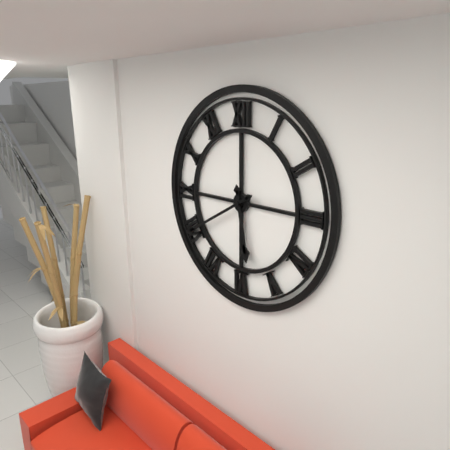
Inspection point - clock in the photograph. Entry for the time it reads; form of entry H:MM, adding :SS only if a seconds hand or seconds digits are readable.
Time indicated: 5:40
